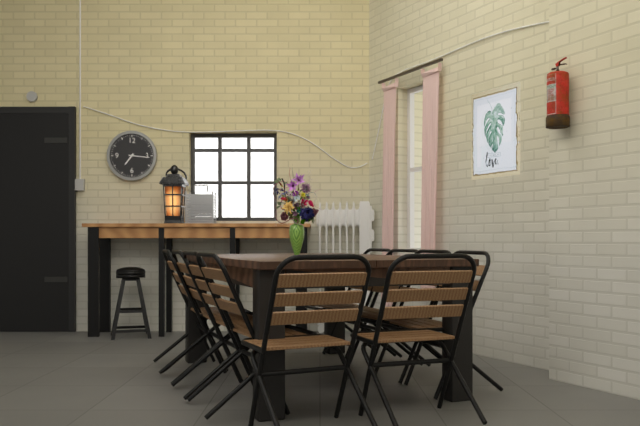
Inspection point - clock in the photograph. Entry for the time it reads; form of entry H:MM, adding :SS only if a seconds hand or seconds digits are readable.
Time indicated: 7:16
